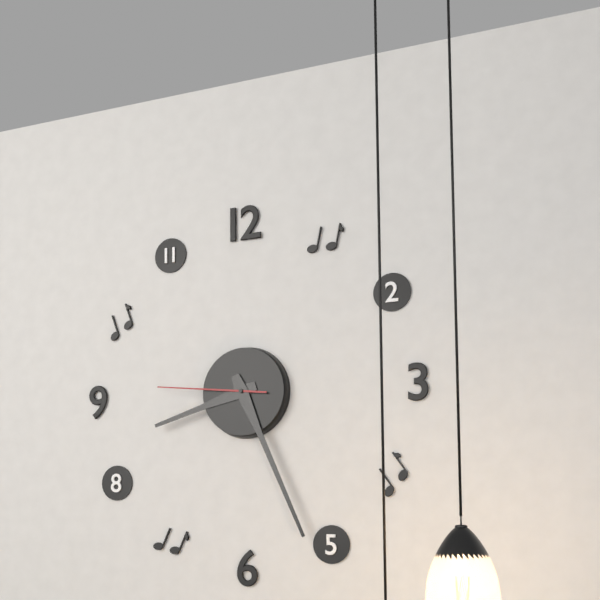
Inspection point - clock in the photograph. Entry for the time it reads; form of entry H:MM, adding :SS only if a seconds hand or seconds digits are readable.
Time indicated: 8:26:46
